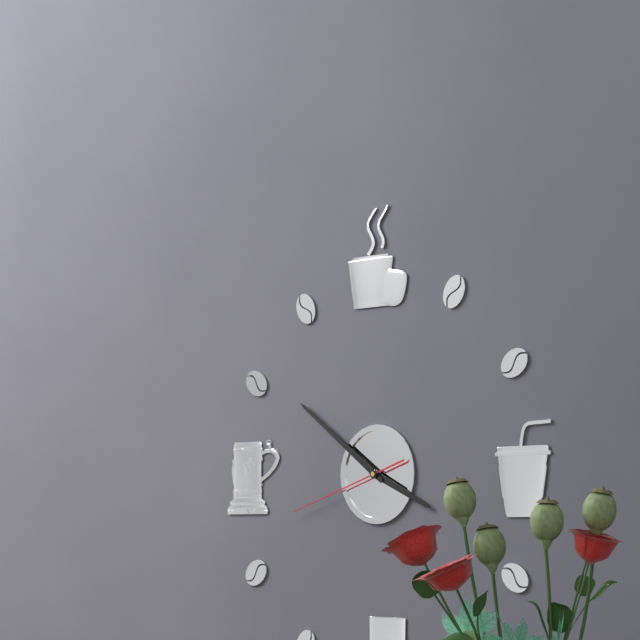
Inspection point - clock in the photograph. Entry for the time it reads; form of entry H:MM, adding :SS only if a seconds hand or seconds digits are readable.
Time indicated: 3:51:42
